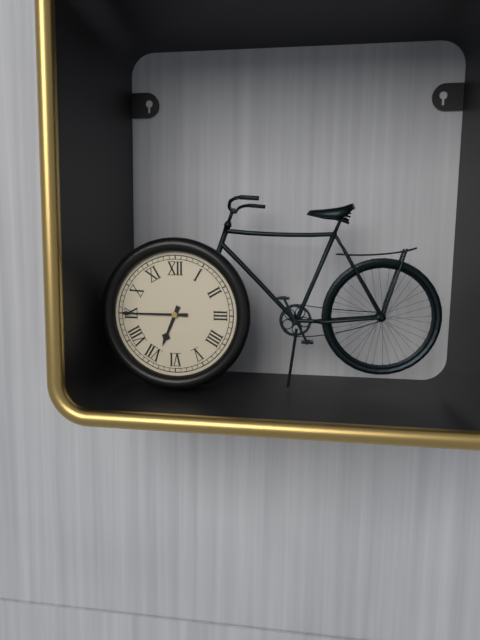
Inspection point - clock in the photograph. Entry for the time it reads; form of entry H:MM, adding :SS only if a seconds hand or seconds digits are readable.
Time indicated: 6:45
